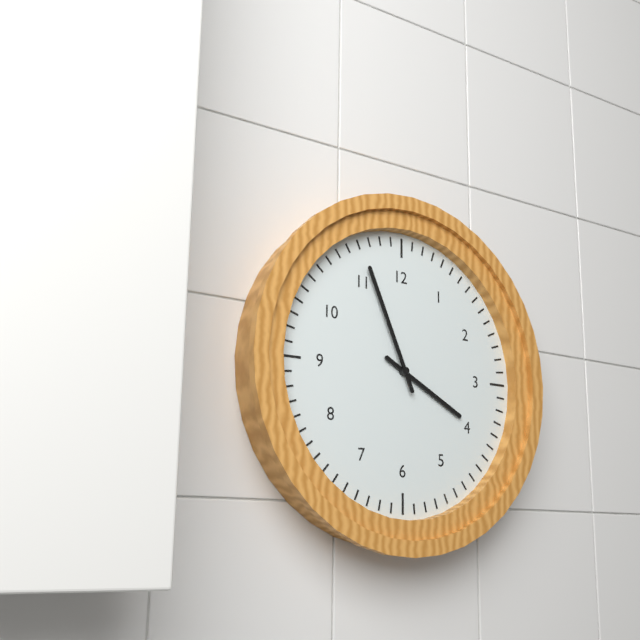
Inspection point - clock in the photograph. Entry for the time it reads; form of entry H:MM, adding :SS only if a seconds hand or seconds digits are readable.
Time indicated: 3:56
